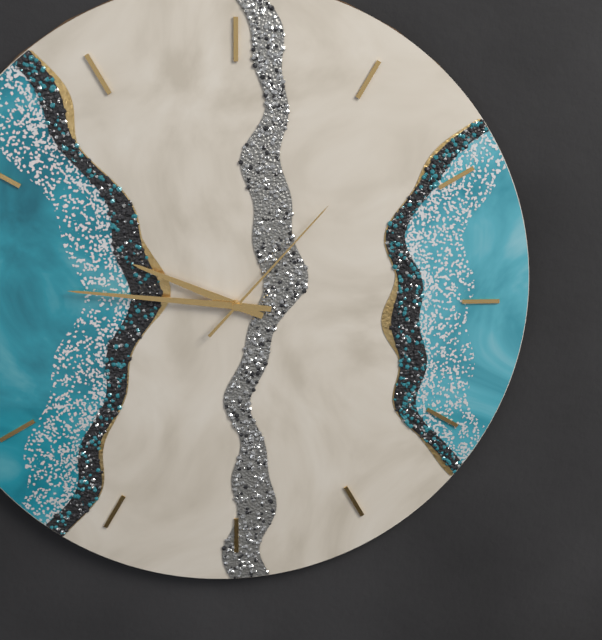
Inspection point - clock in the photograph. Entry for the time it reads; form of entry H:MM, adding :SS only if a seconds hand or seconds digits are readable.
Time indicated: 9:46:07
